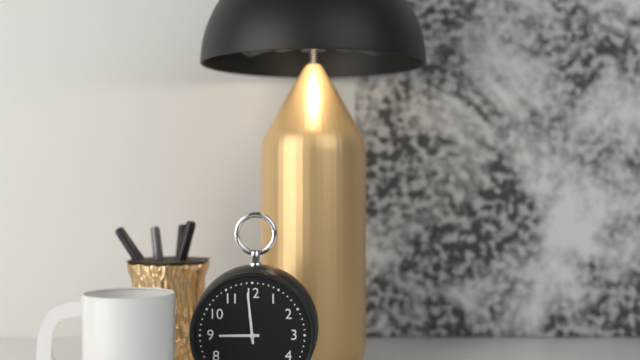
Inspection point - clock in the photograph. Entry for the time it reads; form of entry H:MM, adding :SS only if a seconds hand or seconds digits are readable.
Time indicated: 8:59
